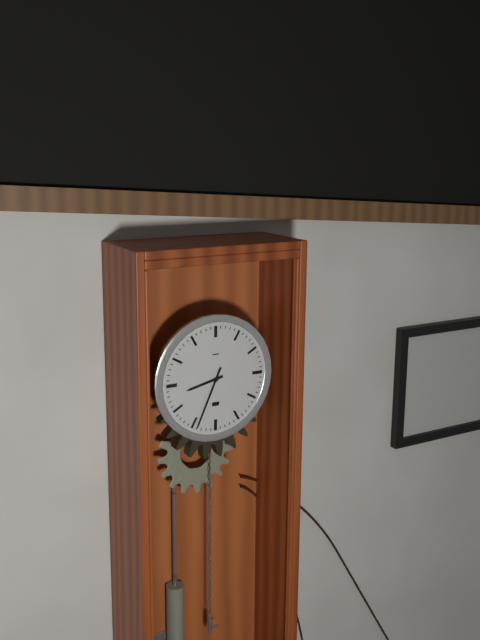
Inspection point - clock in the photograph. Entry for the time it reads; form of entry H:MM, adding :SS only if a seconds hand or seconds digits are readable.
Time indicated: 8:34
